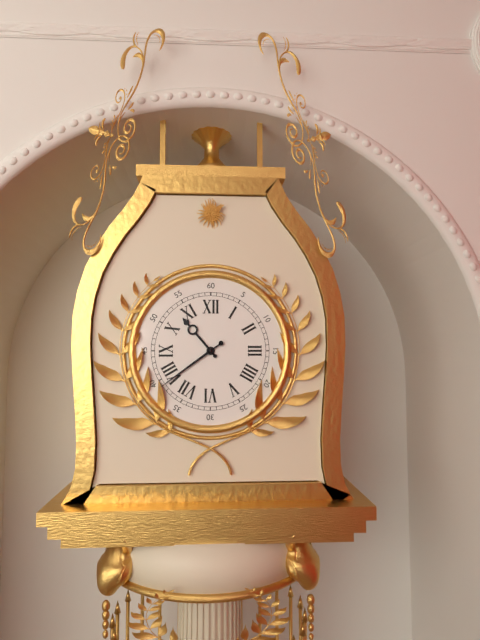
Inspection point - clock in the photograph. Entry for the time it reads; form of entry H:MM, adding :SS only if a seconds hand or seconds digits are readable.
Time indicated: 10:39
